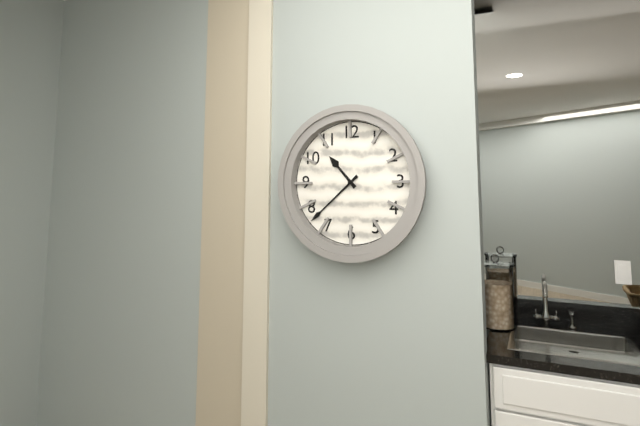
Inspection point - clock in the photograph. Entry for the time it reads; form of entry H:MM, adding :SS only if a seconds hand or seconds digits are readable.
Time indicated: 10:38
